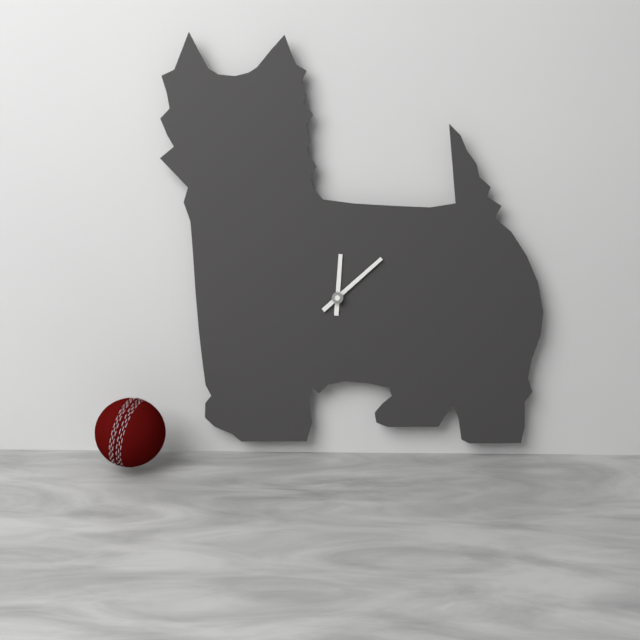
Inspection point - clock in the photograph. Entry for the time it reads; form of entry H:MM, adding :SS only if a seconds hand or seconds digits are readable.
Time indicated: 12:08
